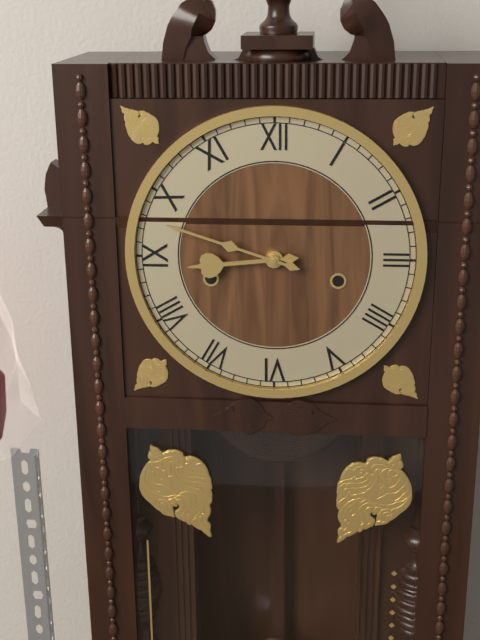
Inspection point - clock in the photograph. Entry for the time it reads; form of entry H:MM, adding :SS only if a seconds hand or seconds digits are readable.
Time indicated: 8:48
